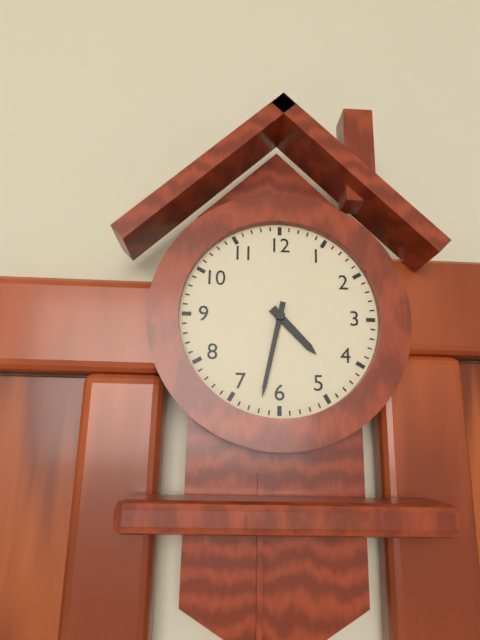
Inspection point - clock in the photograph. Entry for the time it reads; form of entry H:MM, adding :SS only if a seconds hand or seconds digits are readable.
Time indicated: 4:32
